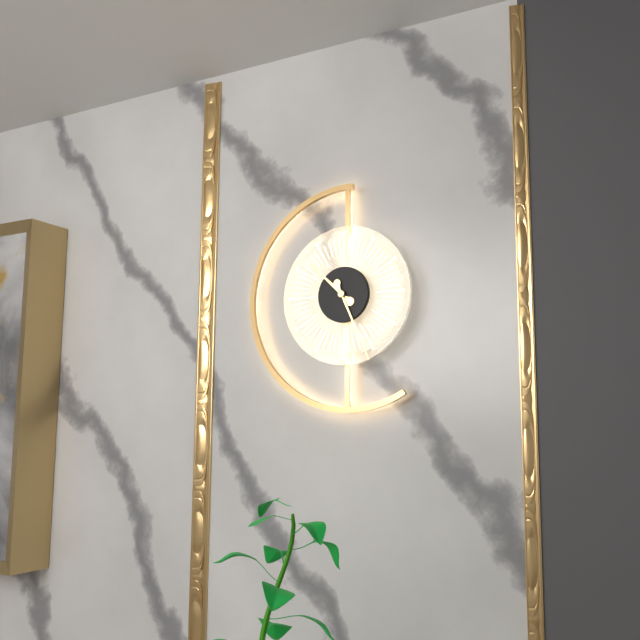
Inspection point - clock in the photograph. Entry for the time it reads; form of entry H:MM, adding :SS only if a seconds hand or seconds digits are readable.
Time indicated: 10:26
